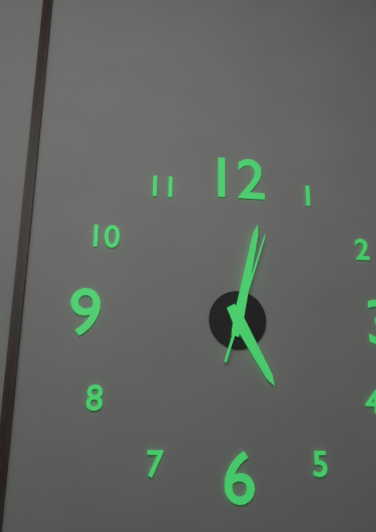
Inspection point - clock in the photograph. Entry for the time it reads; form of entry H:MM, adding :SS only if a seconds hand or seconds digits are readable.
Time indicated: 5:02:03
